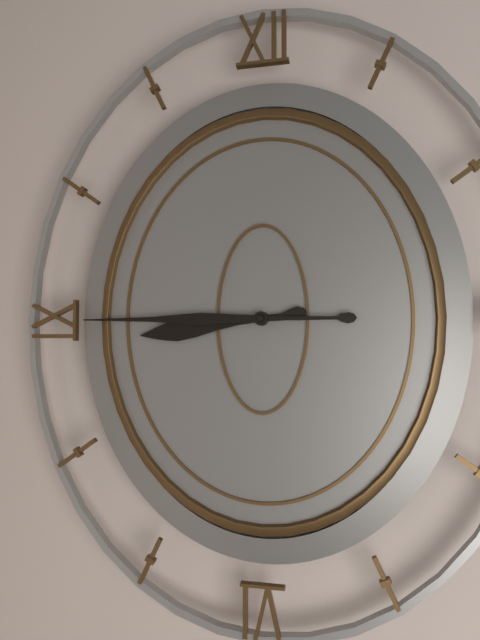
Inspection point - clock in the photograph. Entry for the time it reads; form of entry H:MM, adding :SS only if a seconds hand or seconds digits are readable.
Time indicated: 8:45
